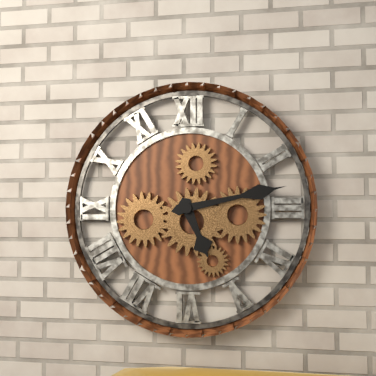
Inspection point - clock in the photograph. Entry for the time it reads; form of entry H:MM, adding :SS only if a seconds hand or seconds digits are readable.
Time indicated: 5:13
